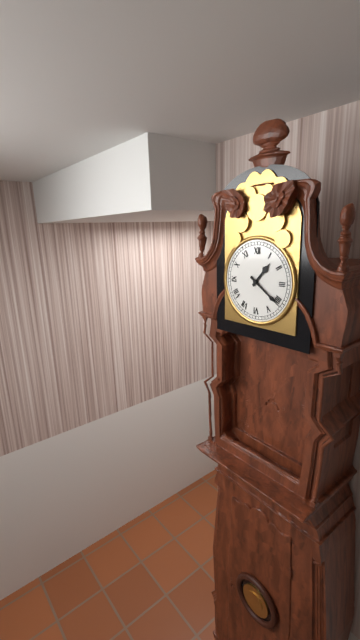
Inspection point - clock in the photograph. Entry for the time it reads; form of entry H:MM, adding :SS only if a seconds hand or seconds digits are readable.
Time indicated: 1:21
